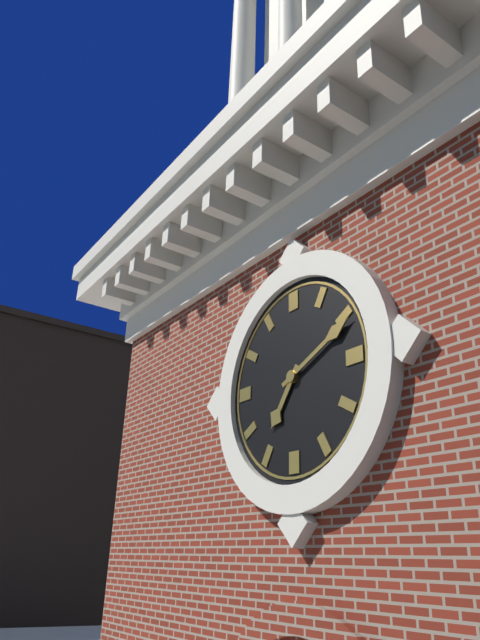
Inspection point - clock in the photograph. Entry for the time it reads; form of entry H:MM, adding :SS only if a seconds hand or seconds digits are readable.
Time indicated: 7:11
